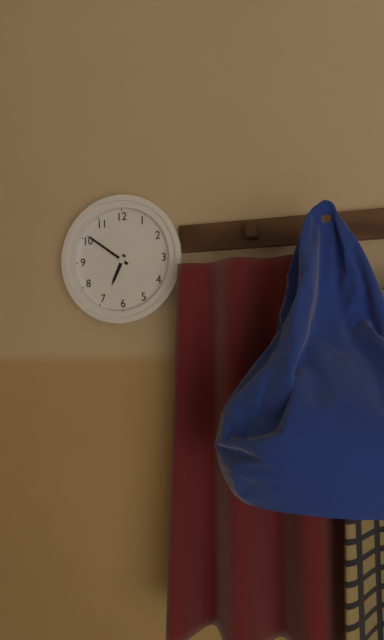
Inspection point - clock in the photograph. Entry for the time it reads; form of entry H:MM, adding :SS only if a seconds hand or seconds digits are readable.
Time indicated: 6:51
